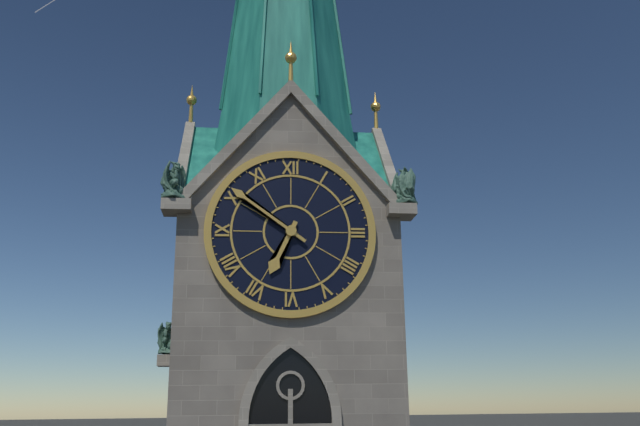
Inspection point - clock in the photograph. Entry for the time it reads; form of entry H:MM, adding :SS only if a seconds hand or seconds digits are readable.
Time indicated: 6:51
